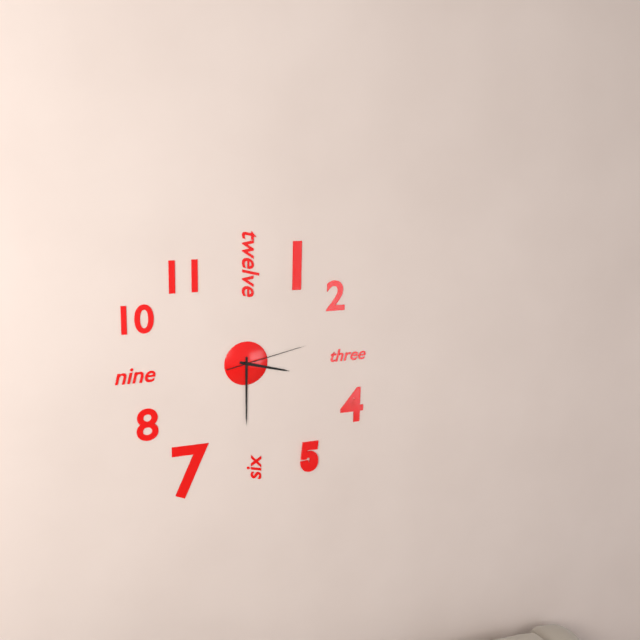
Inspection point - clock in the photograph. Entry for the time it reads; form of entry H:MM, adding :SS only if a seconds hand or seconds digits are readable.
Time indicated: 3:30:13
